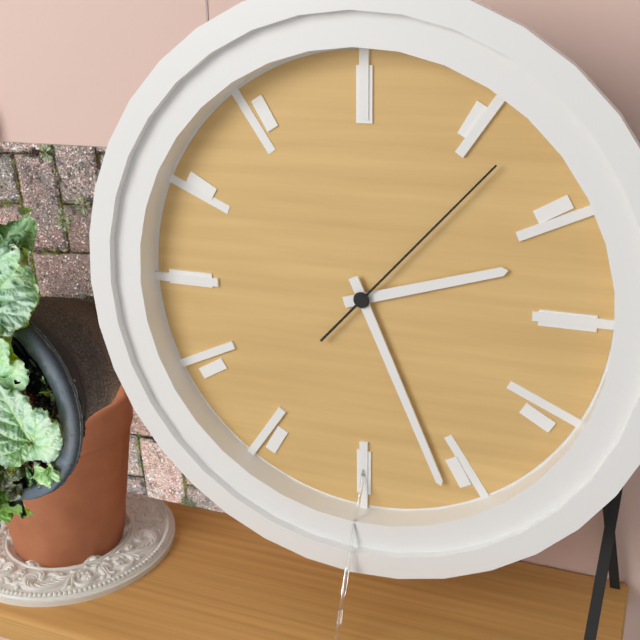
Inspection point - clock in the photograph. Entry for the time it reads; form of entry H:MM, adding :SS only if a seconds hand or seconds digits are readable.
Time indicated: 2:26:07
